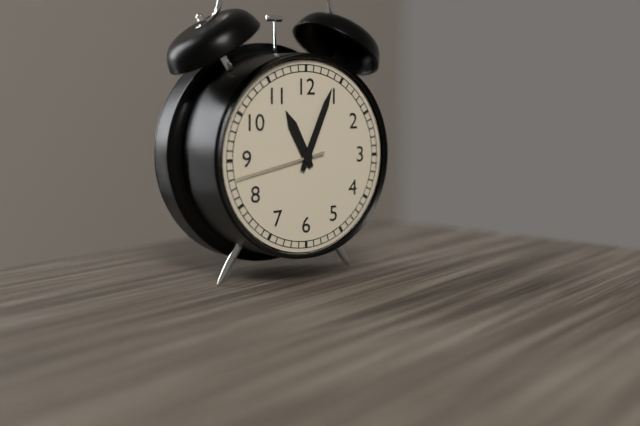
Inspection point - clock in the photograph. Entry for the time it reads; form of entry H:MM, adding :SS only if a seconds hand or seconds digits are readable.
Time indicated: 11:04:43
